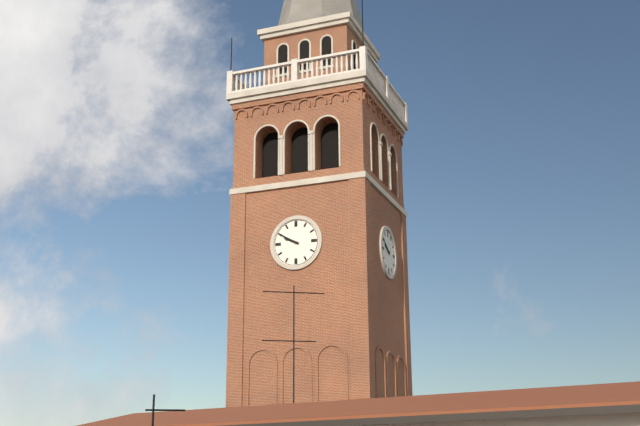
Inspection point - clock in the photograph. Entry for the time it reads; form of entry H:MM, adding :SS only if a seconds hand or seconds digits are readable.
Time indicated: 9:50
